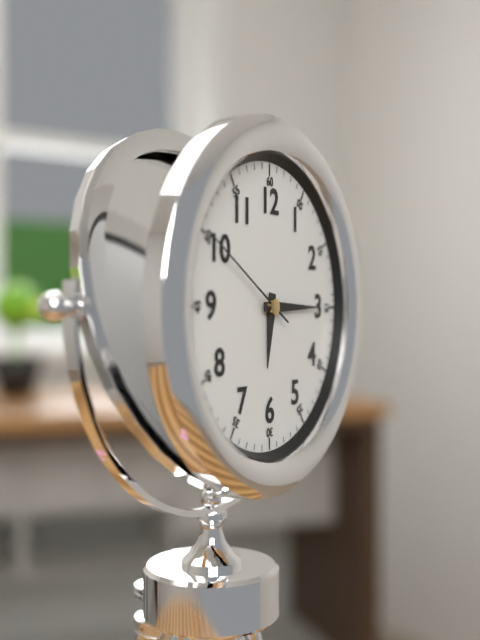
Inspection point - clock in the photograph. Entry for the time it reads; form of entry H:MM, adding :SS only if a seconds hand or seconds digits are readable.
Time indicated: 6:15:50
